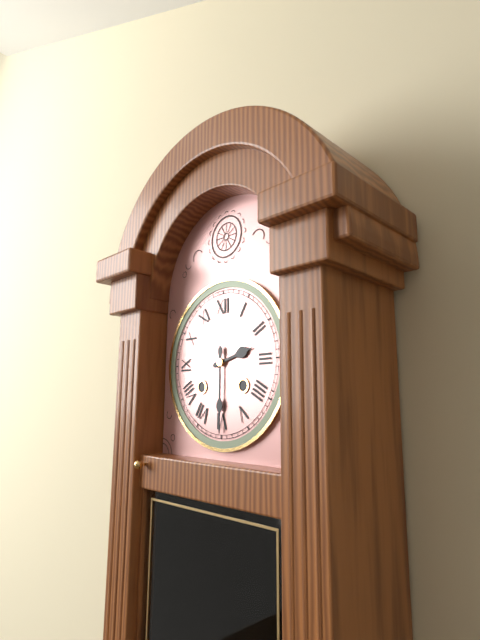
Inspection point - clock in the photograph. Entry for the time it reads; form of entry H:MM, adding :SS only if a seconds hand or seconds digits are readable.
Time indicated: 2:30
